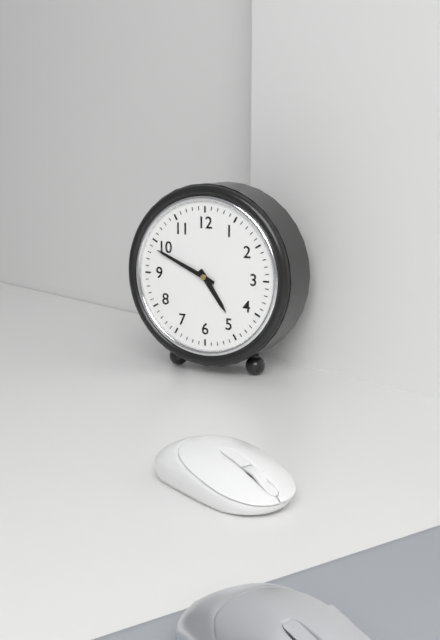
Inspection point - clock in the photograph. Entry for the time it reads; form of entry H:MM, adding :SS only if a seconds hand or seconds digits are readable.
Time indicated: 4:49
